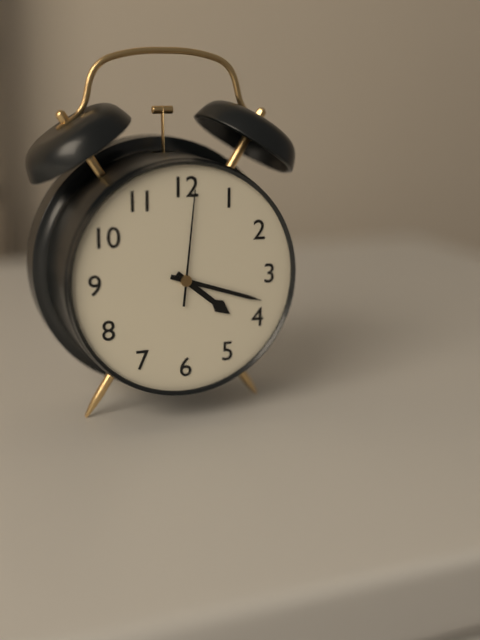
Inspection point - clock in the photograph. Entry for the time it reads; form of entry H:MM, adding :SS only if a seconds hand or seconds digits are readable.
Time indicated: 4:18:01
